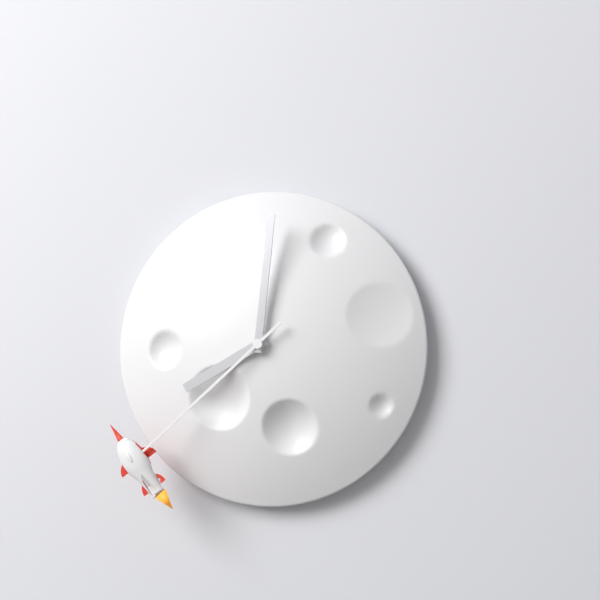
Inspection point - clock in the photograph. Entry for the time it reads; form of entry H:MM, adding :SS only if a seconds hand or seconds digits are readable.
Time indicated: 8:01:38
